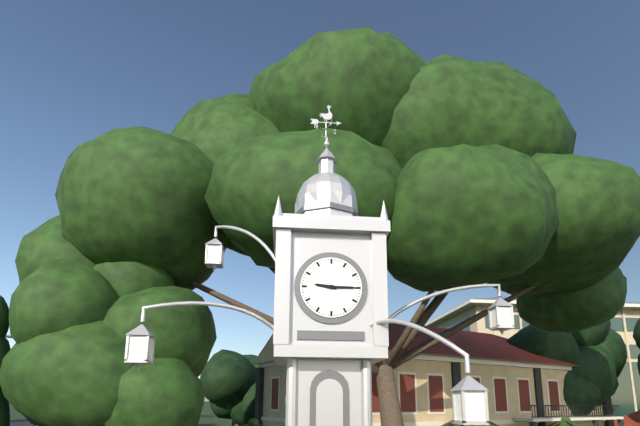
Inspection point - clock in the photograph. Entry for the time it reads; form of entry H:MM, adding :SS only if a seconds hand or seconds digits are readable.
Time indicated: 9:15
